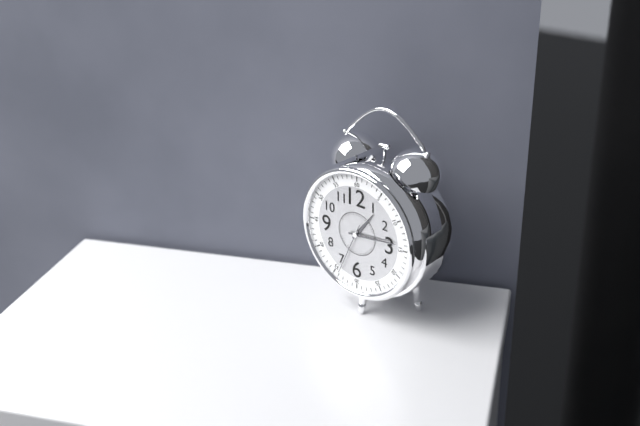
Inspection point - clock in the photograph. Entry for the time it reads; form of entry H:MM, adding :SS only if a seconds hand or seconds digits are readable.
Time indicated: 1:14:34
